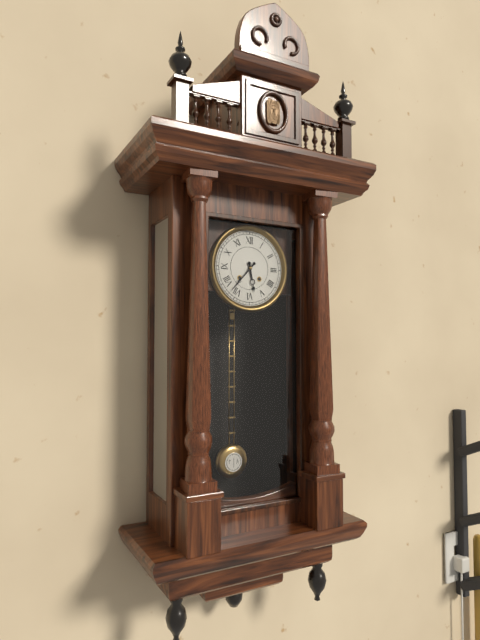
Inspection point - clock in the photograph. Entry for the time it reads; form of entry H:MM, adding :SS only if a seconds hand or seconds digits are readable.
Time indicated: 5:37
